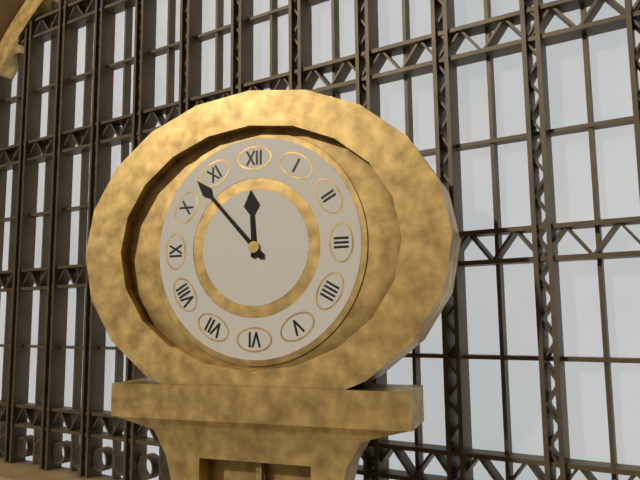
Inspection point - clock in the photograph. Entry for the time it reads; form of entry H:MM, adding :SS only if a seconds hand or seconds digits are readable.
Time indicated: 11:53
